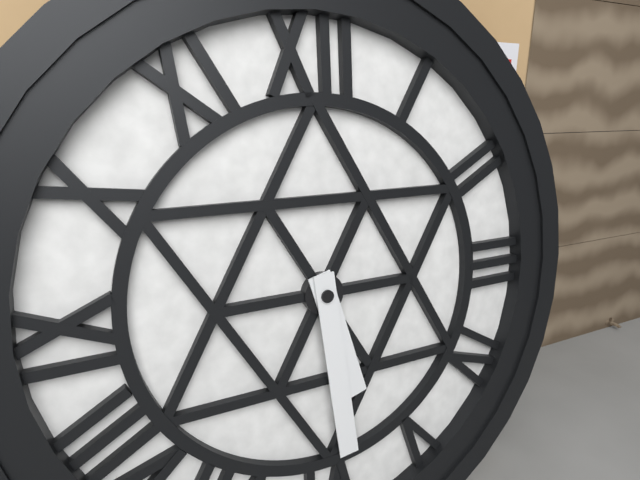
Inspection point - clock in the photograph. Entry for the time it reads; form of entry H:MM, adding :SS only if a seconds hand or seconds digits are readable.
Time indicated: 5:29
